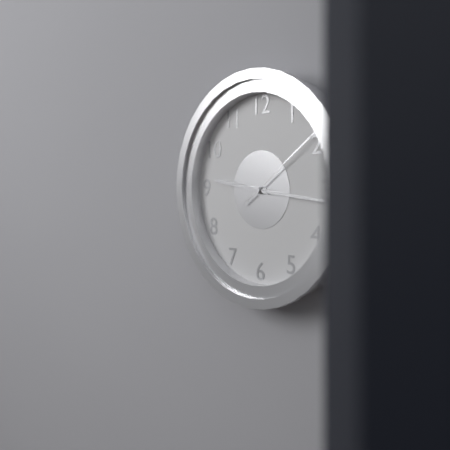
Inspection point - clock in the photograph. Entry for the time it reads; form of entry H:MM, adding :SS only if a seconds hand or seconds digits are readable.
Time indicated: 9:16:09
